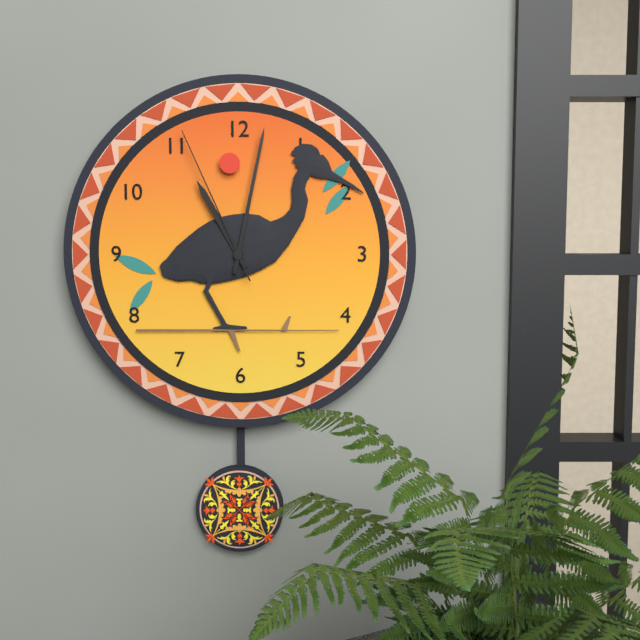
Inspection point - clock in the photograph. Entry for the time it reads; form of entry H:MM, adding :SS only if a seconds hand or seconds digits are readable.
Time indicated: 11:02:56
